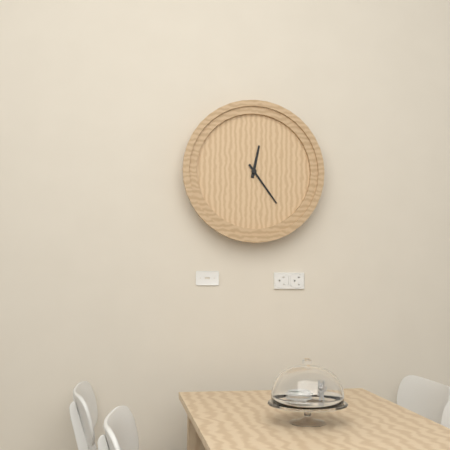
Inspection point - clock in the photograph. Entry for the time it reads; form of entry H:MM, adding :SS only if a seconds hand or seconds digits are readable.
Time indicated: 12:24
